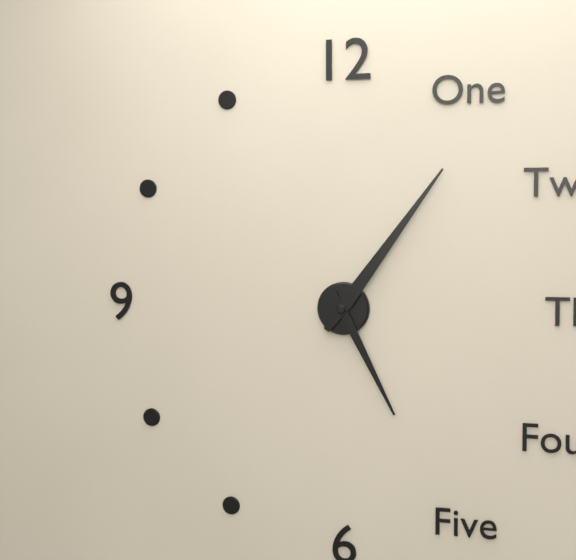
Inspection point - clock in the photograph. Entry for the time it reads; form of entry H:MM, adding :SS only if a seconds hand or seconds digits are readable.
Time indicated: 5:06
